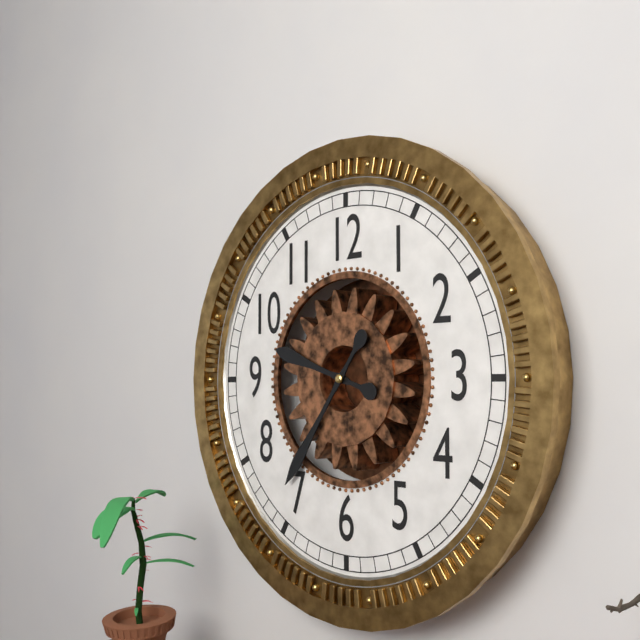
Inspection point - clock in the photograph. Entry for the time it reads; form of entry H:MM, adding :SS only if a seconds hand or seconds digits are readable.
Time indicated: 9:36
